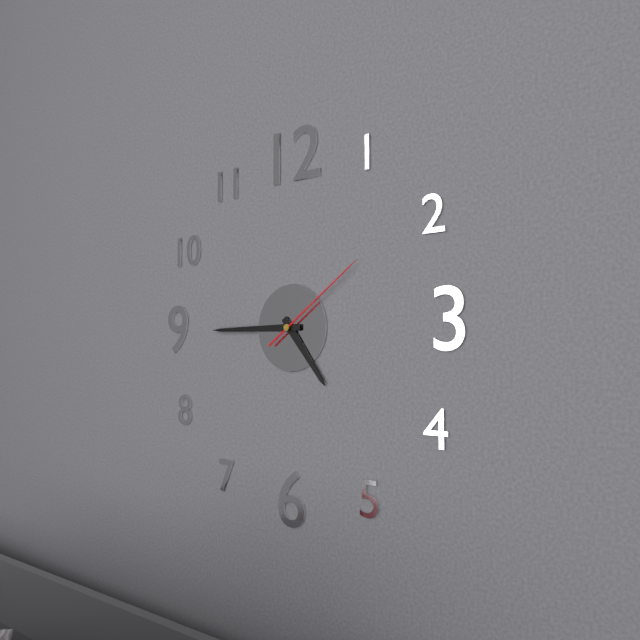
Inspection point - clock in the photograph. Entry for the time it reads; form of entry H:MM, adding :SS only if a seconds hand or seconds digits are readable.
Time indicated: 4:45:09
